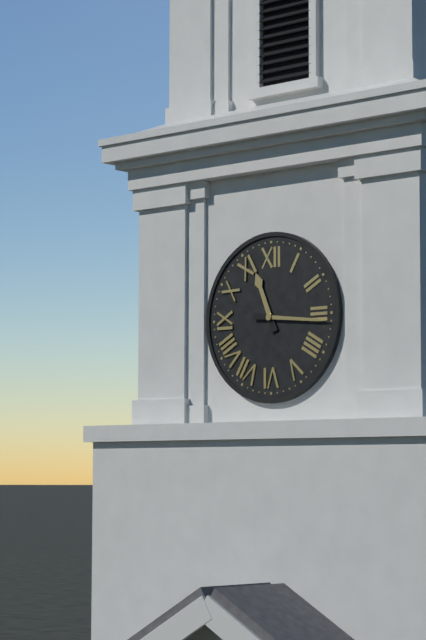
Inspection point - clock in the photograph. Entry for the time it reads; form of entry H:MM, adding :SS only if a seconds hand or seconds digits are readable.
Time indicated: 11:16
